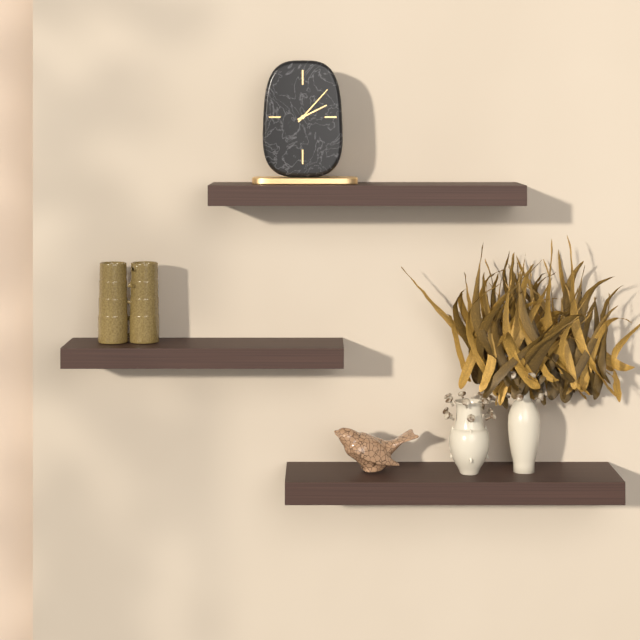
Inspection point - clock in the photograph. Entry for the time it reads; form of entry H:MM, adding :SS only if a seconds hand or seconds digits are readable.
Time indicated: 2:07
